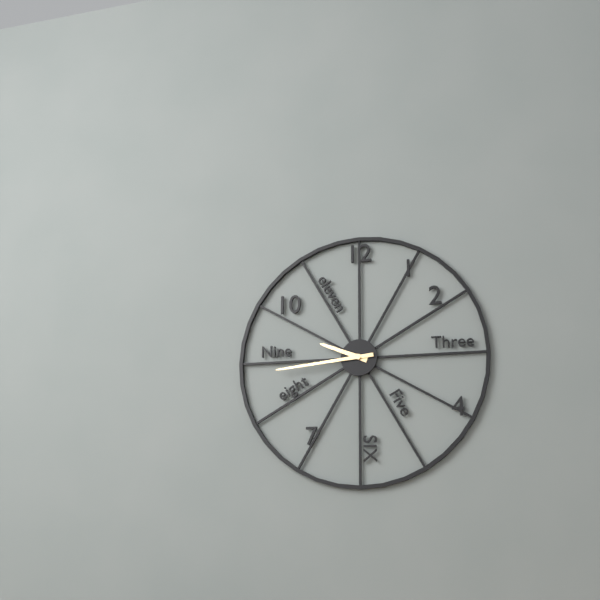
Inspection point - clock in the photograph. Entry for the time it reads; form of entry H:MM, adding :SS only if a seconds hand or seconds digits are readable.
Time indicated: 9:44
